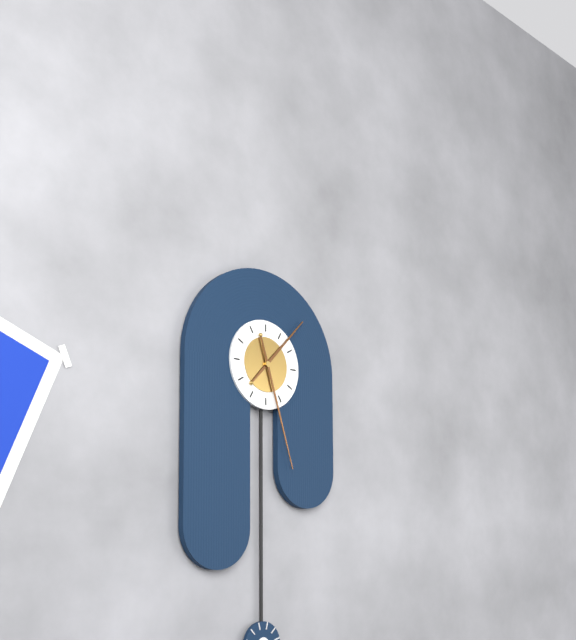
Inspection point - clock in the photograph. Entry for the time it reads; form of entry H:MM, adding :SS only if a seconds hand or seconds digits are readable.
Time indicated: 1:27
